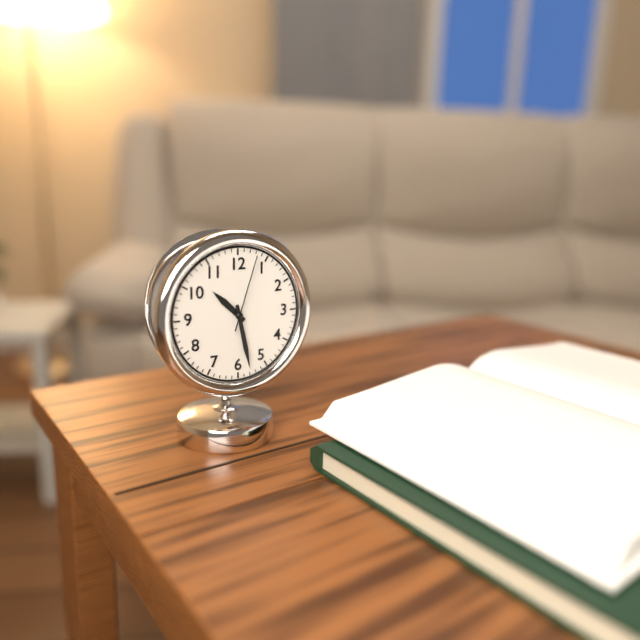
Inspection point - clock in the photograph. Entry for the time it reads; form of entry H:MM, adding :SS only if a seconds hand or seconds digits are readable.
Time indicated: 10:28:03
